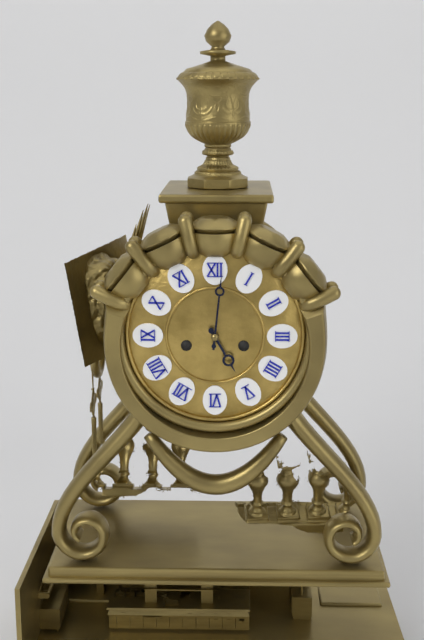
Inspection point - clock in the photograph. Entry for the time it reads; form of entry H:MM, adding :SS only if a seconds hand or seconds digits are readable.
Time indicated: 5:01
